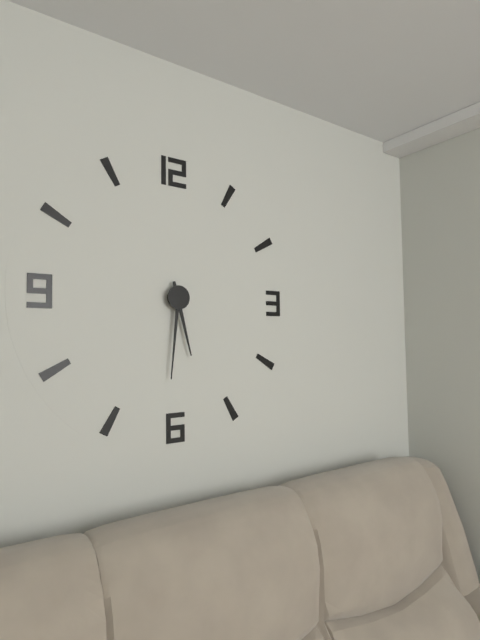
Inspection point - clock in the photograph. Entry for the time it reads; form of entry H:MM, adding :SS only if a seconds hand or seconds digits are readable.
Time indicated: 5:31
